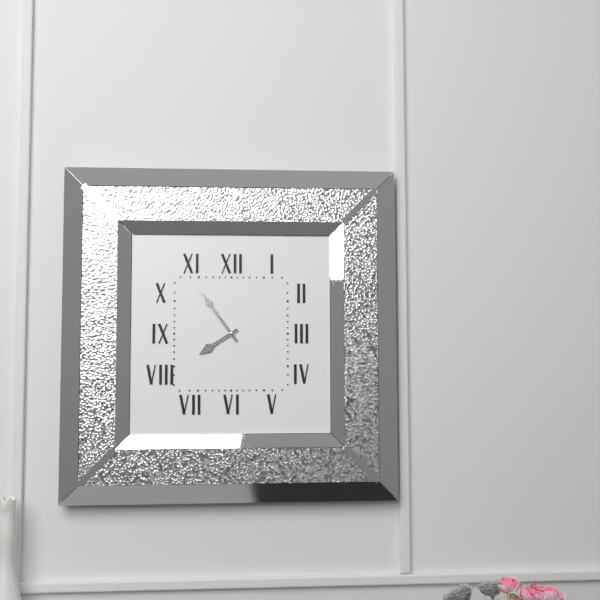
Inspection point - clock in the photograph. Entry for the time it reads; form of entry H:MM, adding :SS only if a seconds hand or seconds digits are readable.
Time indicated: 7:54
